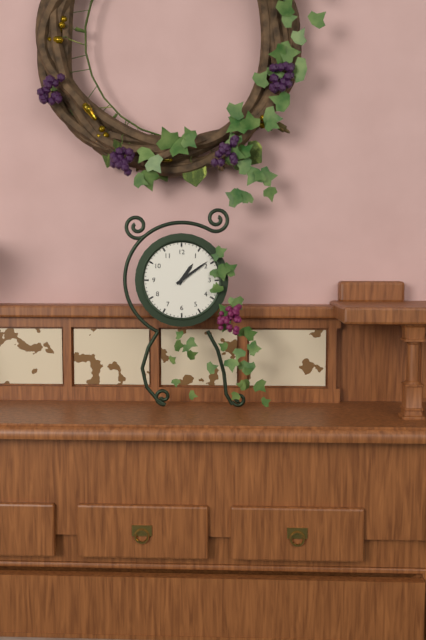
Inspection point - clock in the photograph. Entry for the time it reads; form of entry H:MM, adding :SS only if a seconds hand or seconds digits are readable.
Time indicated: 1:09
